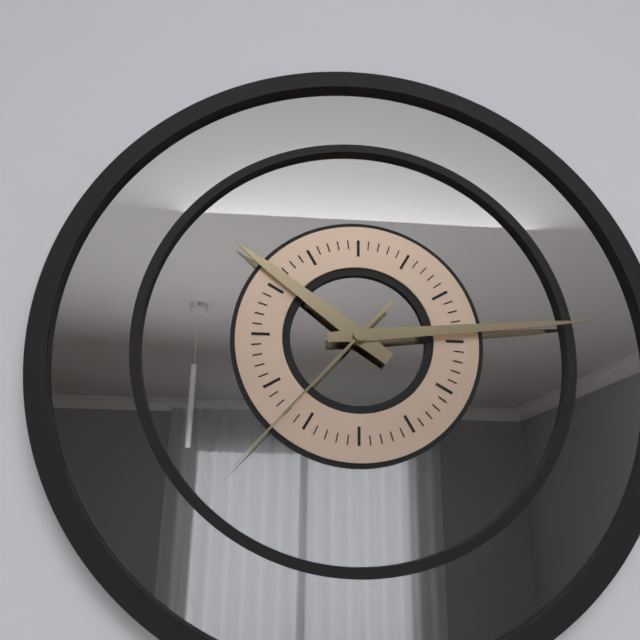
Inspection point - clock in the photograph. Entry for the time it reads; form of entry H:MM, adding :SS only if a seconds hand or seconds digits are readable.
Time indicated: 10:14:37
